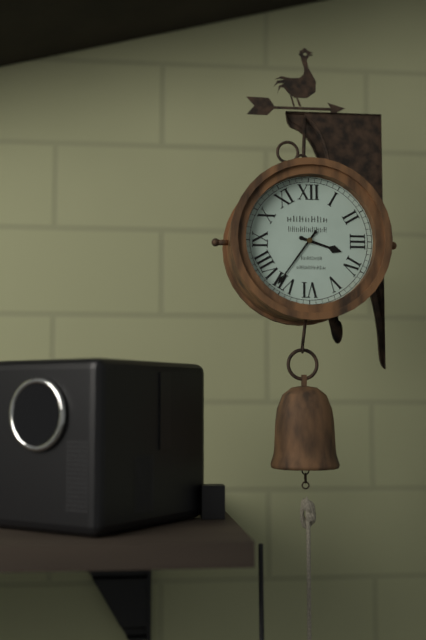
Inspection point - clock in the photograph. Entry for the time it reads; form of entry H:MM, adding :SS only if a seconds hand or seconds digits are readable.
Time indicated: 3:36
